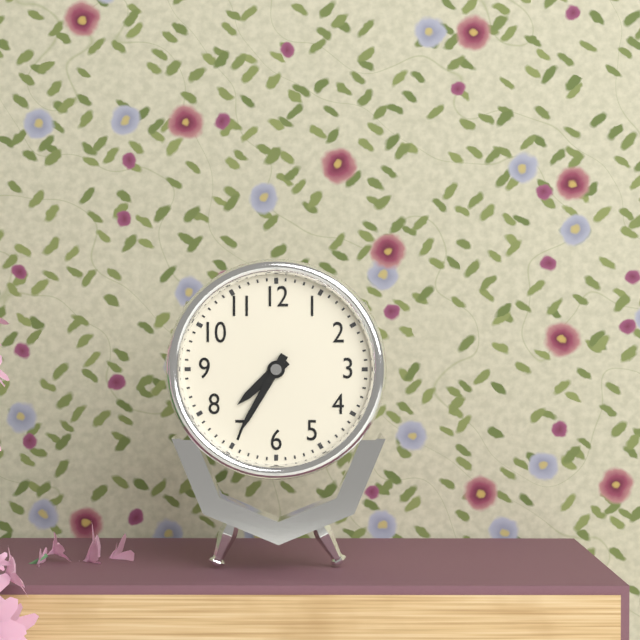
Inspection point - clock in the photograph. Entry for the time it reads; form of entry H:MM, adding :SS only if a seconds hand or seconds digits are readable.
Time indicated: 7:35
